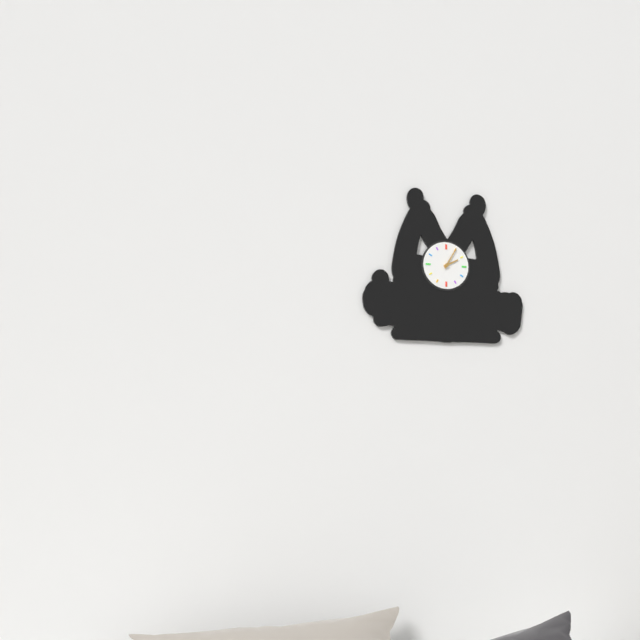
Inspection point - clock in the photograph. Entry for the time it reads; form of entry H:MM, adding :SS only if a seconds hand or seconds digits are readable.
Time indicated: 2:05
